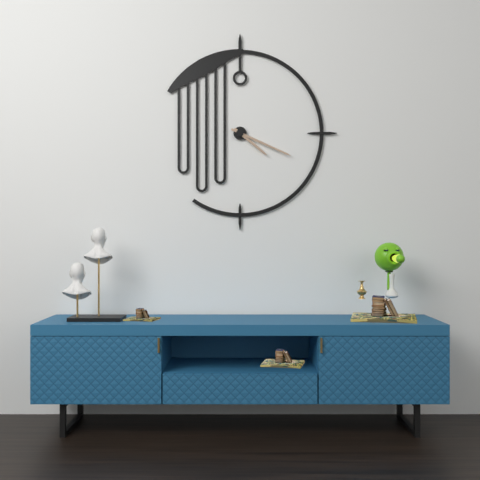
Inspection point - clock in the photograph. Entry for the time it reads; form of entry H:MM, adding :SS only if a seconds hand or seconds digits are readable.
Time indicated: 4:19
